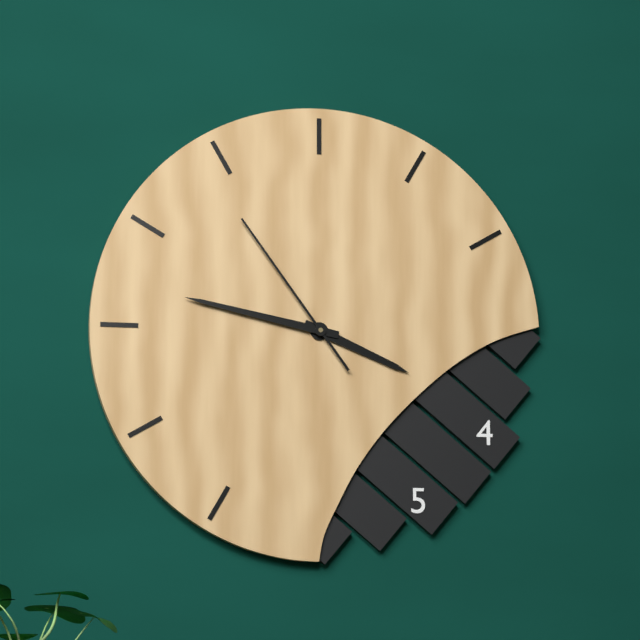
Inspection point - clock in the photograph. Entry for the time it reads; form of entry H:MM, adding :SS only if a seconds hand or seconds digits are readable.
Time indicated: 3:47:54
